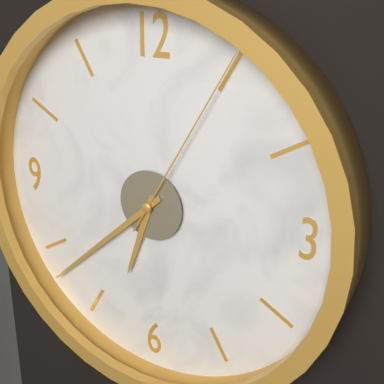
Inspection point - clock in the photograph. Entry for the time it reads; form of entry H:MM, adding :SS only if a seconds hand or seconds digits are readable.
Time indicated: 6:38:05
